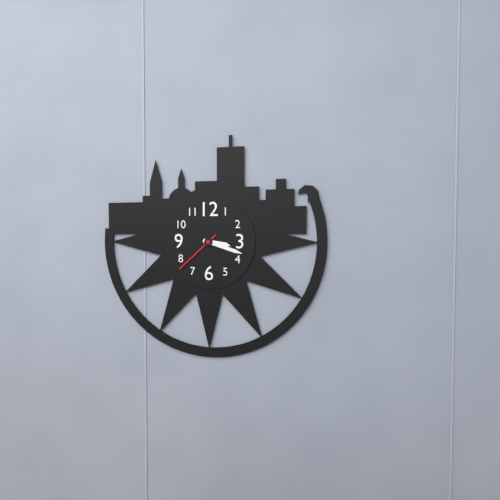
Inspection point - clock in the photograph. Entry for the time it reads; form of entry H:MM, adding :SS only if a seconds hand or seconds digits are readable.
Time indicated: 3:18:38
